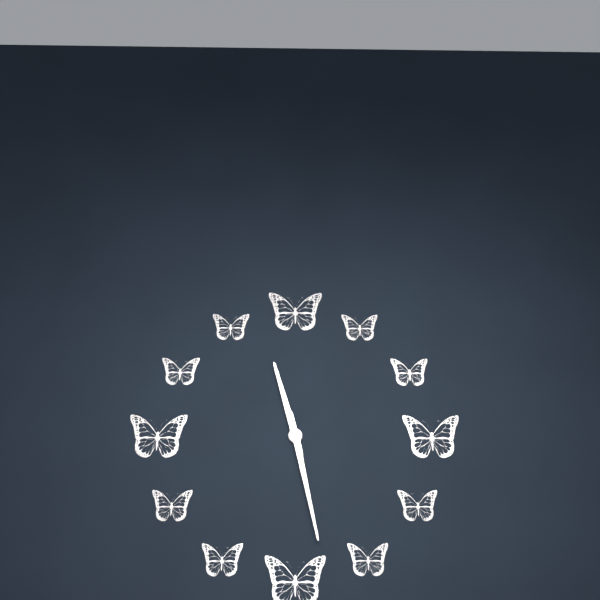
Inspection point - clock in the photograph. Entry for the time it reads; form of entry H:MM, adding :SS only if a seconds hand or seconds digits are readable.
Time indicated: 11:28
